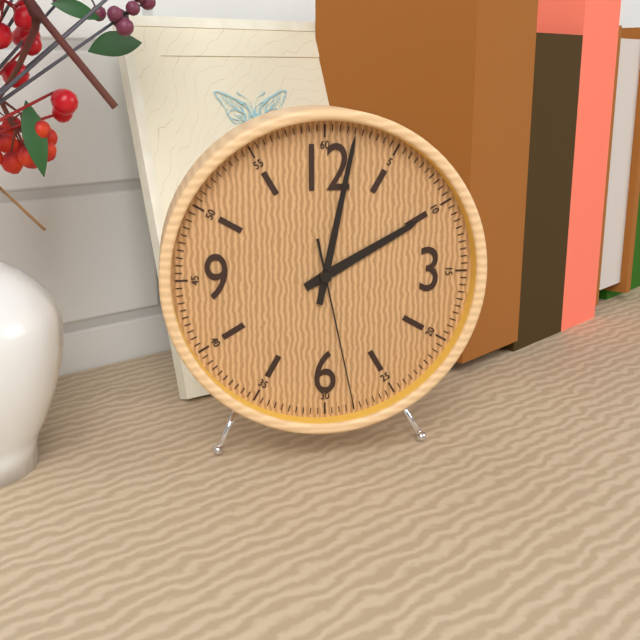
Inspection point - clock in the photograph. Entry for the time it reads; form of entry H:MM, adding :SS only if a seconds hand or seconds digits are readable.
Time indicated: 2:02:28
